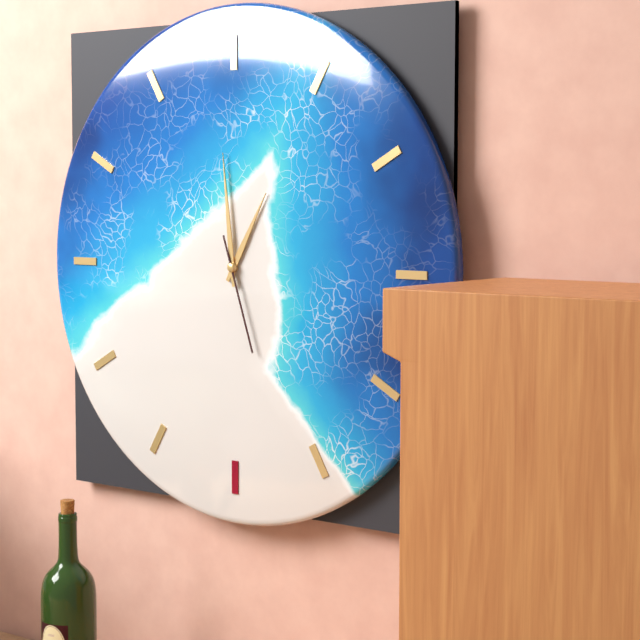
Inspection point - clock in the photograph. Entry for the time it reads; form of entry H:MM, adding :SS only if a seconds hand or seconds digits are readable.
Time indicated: 12:59:27
